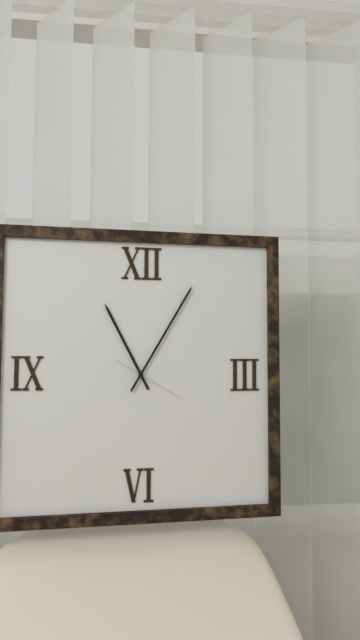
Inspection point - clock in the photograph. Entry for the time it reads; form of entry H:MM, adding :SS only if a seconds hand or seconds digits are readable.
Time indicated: 11:05:20
